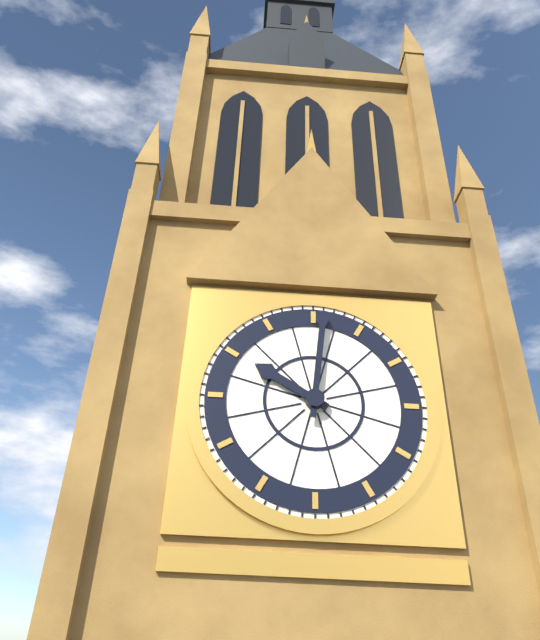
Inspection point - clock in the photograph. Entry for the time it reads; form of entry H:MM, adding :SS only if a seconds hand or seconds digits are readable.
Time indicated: 10:01
